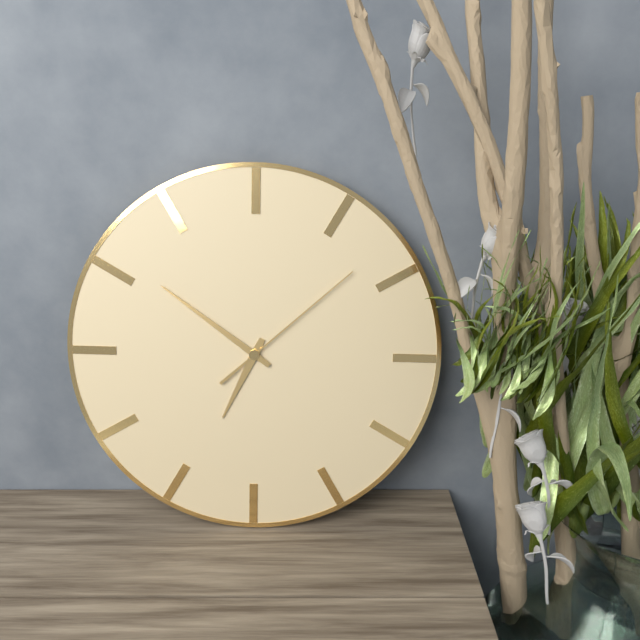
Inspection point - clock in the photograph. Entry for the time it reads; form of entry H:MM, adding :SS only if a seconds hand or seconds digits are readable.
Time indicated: 6:51:08
